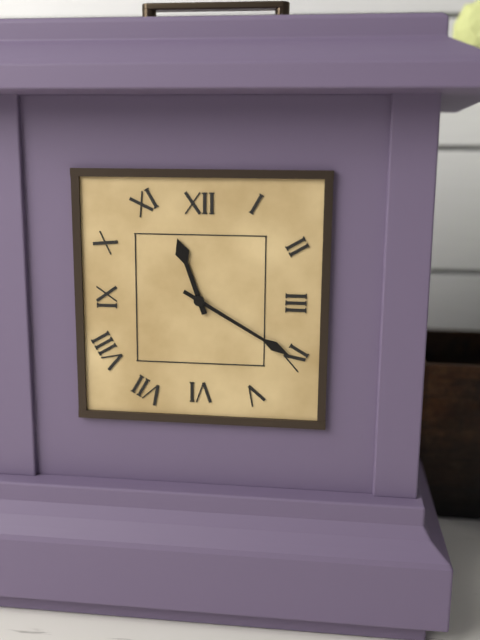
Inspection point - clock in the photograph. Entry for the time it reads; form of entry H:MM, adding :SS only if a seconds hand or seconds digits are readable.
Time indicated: 11:20
